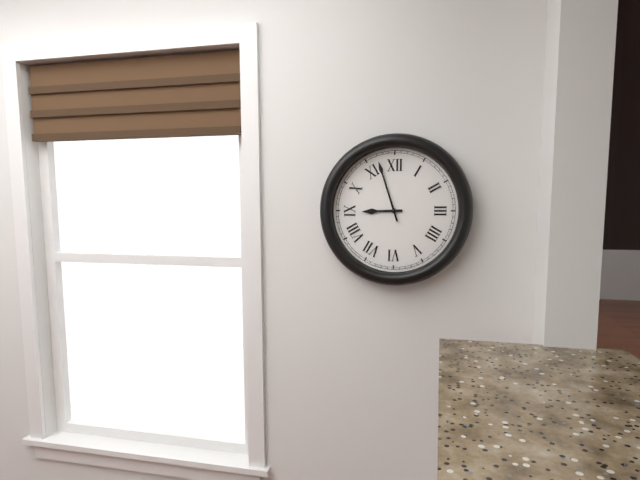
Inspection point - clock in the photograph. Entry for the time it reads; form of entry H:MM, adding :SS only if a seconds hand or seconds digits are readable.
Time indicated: 8:57
